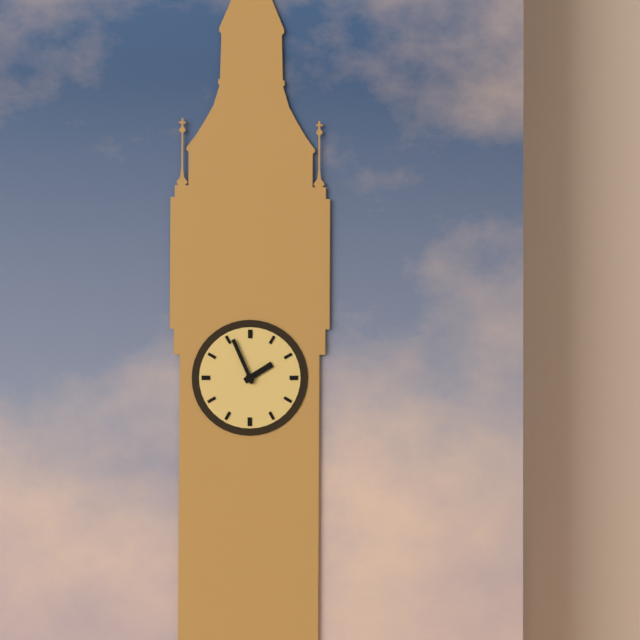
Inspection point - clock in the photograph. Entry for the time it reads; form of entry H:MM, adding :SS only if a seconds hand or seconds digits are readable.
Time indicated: 1:56
